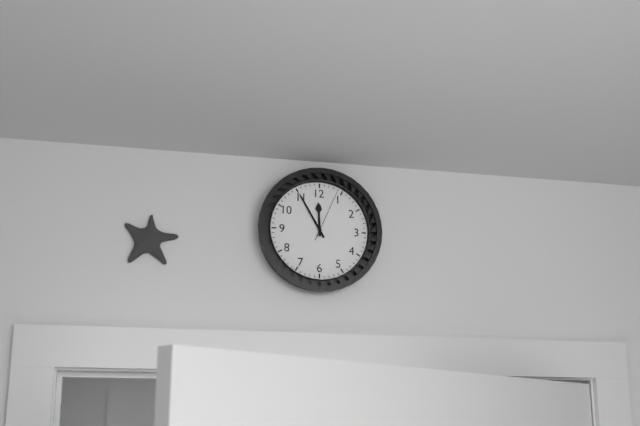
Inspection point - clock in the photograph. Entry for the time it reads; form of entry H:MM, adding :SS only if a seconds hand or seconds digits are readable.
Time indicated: 11:55:04
